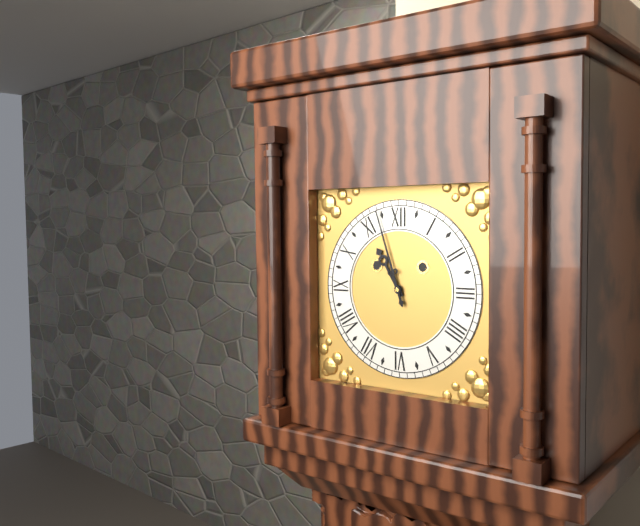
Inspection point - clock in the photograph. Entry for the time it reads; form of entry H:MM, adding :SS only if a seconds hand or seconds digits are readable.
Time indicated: 10:57
